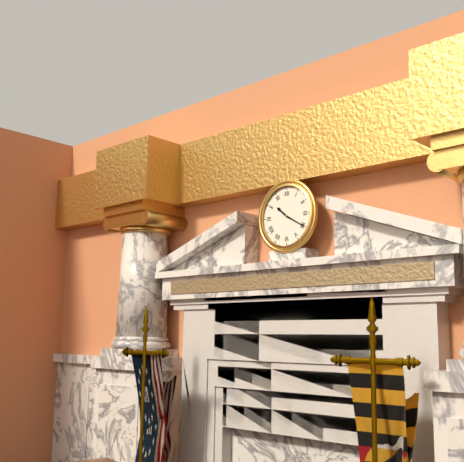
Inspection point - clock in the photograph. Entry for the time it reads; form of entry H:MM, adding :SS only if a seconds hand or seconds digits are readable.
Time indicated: 10:20
